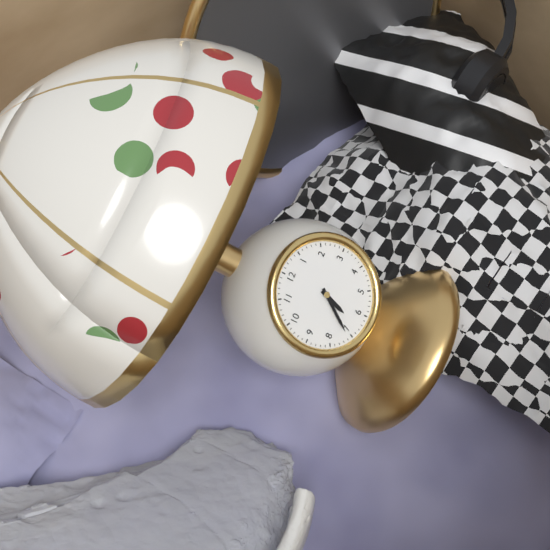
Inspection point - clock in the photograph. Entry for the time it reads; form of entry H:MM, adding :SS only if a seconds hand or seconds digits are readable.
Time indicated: 6:36
